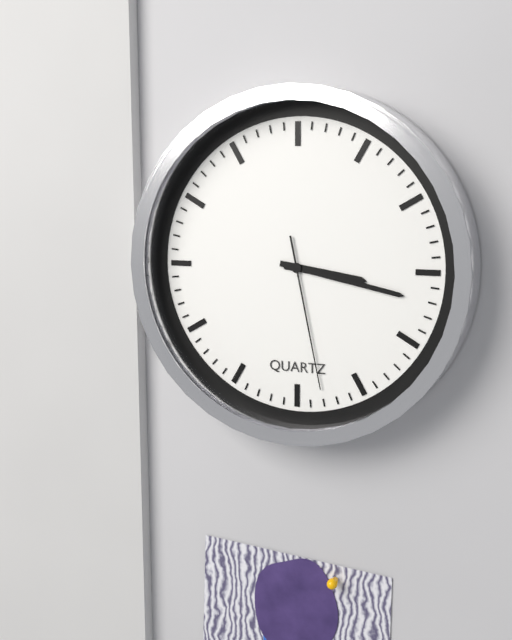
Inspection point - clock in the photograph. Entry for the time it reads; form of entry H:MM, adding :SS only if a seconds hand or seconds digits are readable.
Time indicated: 3:17:28
